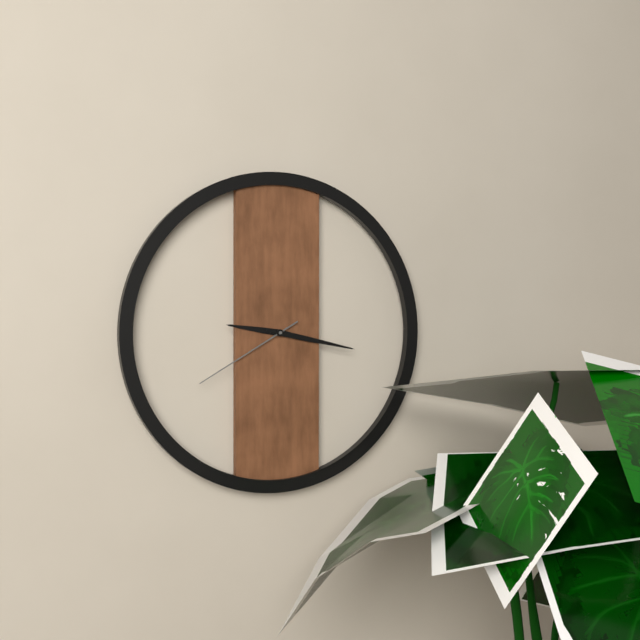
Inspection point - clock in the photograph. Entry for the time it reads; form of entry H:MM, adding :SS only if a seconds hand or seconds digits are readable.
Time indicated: 9:17:40
